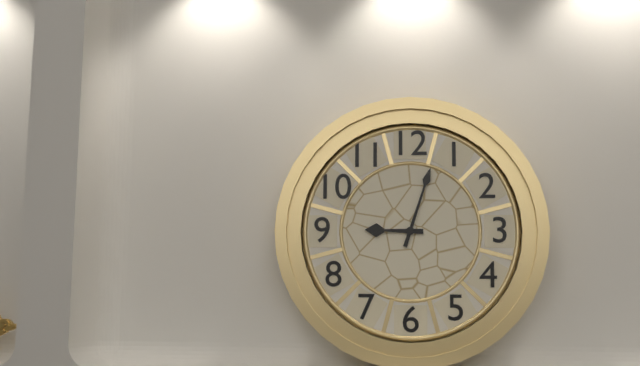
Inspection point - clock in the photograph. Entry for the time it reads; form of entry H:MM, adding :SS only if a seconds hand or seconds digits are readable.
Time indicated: 9:03
